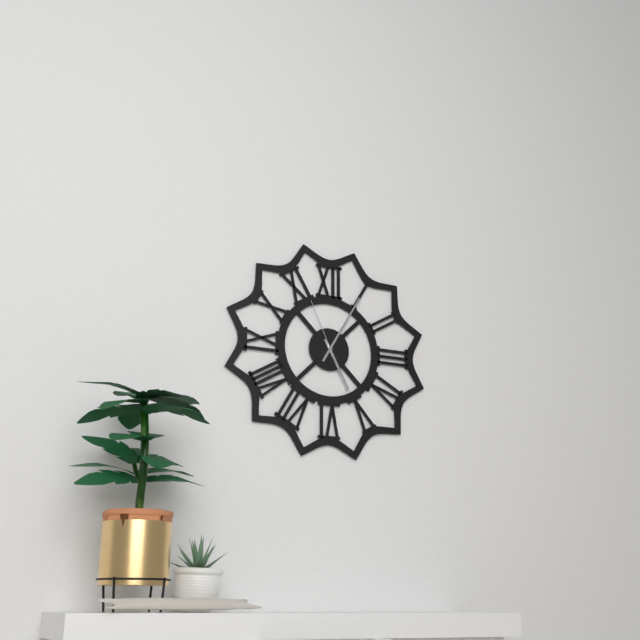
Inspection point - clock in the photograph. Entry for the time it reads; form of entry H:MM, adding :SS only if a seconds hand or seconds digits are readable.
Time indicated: 5:05:56
